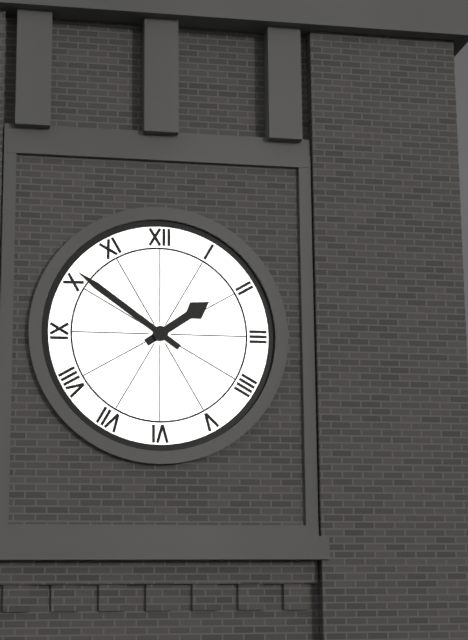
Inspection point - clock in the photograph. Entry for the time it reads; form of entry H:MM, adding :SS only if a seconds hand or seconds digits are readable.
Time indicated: 1:51
